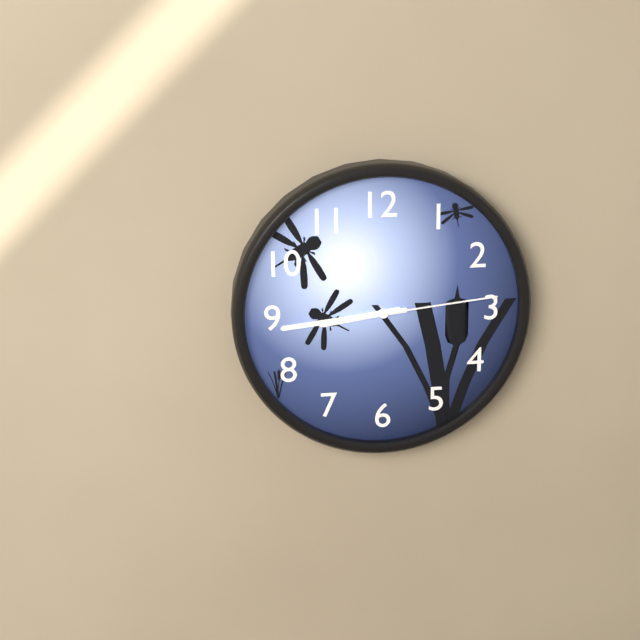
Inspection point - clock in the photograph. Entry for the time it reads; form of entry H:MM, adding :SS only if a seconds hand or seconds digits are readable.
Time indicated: 8:44:14
